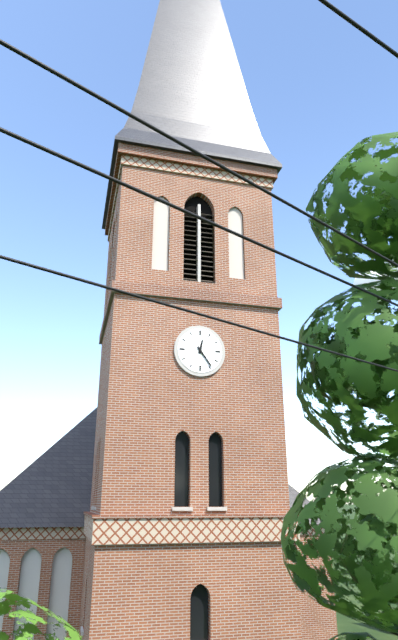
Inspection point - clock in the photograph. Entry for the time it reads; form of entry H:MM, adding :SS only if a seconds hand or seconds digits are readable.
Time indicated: 12:24
